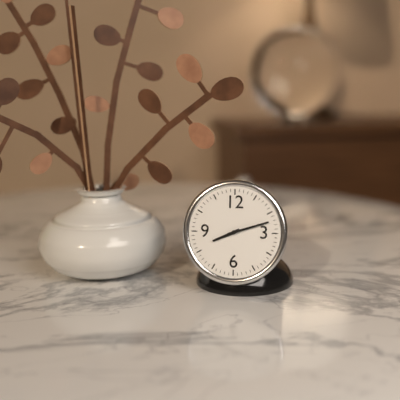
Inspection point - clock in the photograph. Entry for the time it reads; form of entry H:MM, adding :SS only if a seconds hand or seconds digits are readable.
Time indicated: 8:12
